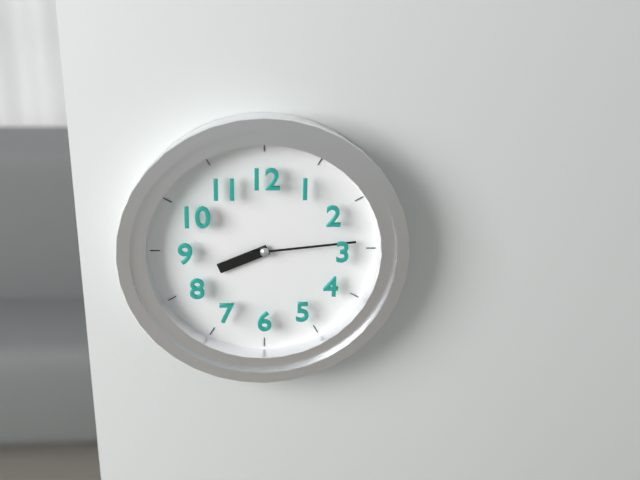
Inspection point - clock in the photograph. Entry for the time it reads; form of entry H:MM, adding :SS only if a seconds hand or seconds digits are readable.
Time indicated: 8:14
